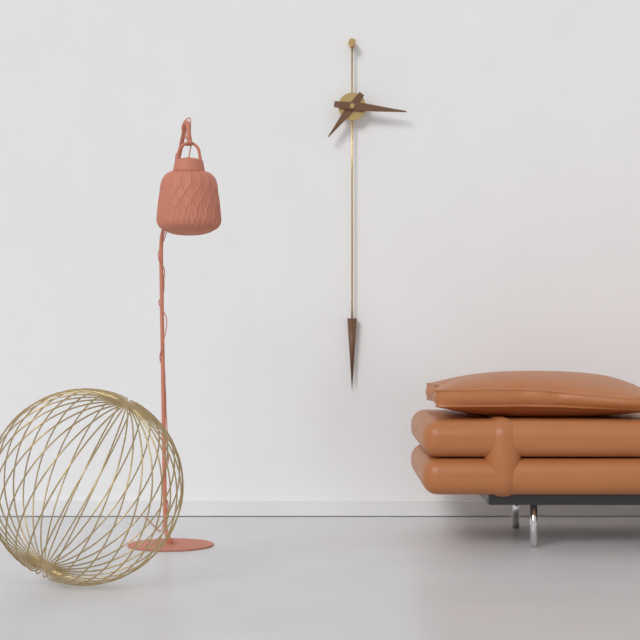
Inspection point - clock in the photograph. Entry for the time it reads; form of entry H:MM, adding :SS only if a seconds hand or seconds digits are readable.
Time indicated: 7:16
